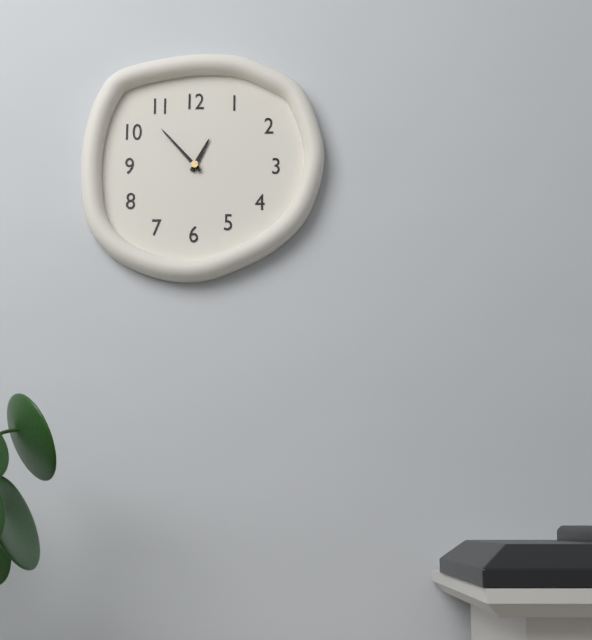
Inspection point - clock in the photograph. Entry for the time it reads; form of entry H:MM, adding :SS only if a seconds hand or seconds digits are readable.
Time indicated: 12:53
